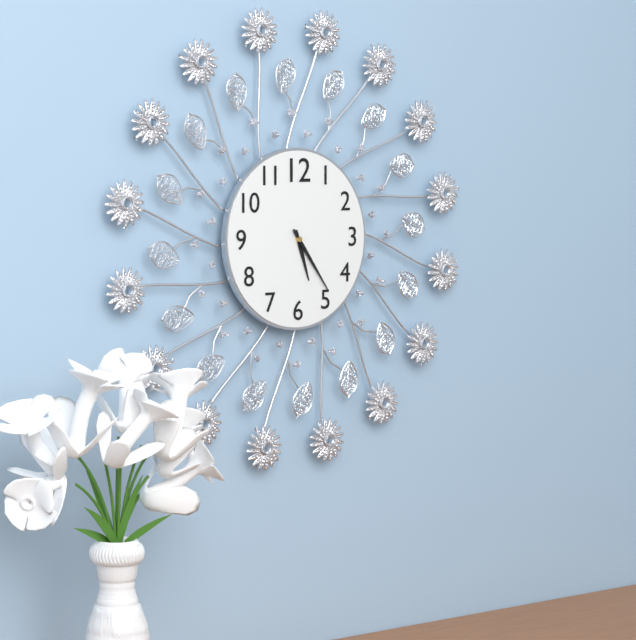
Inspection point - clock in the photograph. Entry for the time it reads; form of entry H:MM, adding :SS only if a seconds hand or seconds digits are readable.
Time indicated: 5:24
